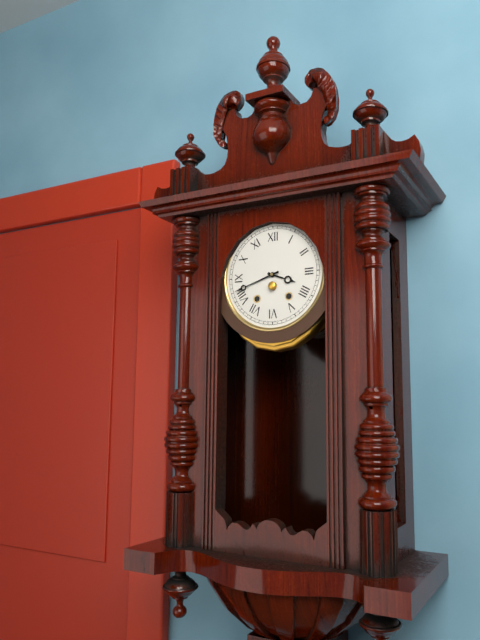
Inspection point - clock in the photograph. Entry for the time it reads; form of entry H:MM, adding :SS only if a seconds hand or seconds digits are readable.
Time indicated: 3:42
